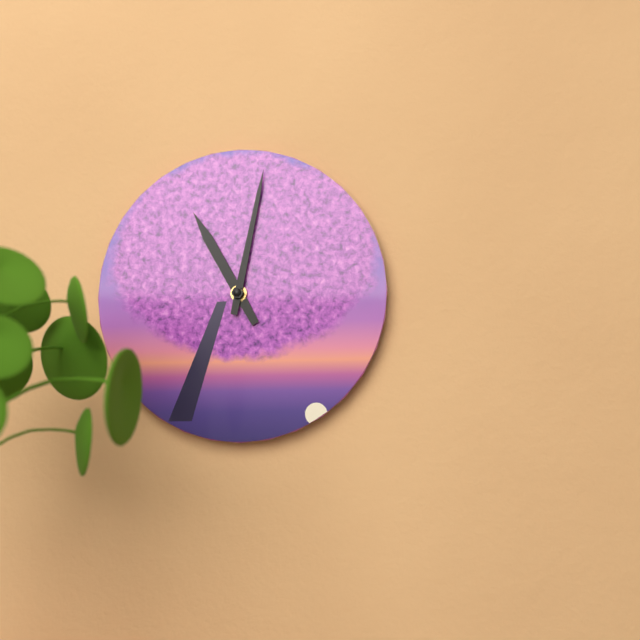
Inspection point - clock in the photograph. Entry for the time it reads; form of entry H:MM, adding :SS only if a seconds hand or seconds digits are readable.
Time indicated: 11:02
